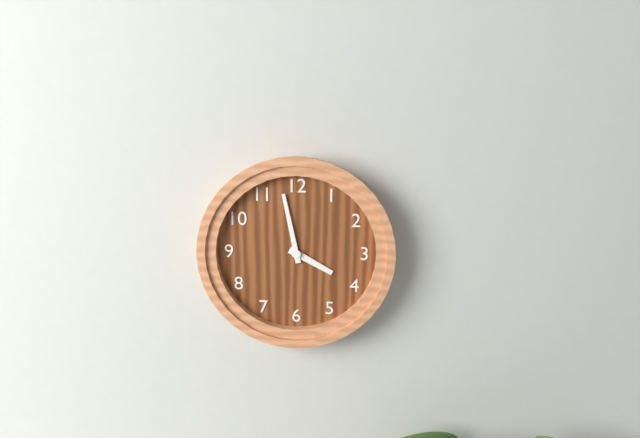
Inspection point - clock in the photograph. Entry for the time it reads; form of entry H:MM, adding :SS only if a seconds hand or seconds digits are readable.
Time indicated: 3:58
